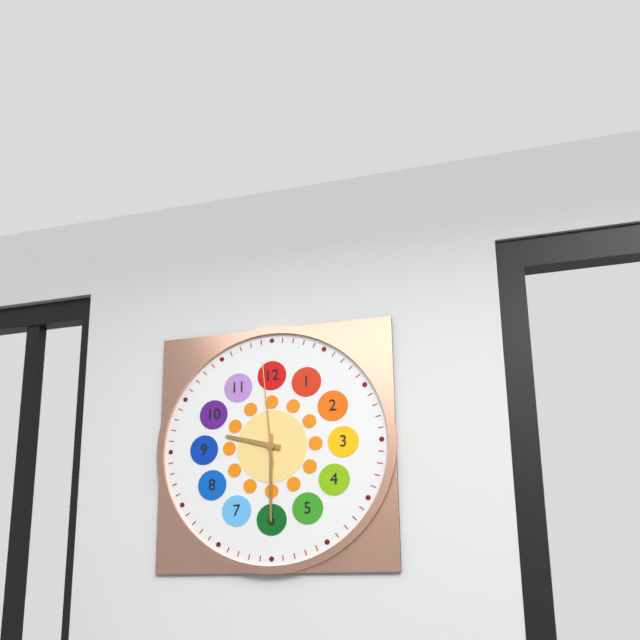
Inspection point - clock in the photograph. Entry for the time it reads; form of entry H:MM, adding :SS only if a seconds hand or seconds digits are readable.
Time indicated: 9:30:59
